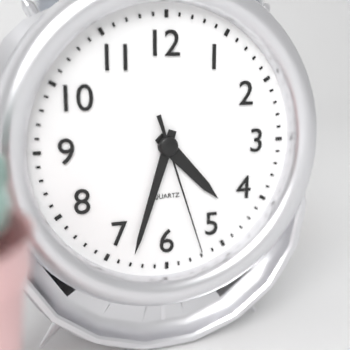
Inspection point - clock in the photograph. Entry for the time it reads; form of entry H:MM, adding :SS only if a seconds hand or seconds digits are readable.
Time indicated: 4:33:27
